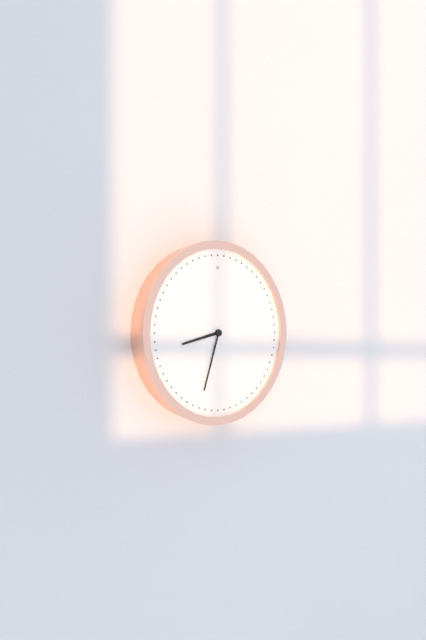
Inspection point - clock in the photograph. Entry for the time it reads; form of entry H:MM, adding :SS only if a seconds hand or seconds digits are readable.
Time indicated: 8:33
